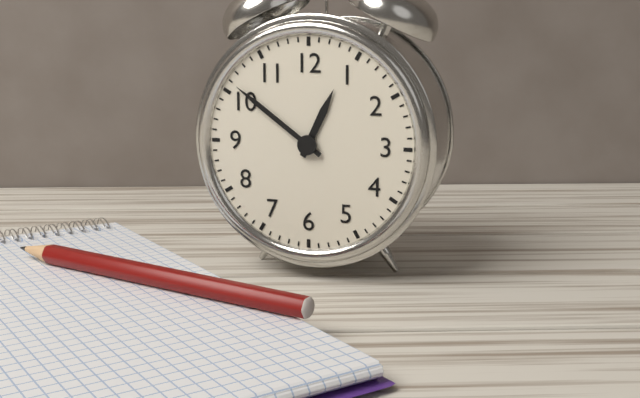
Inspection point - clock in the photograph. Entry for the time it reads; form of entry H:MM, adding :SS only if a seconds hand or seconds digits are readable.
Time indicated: 12:51
